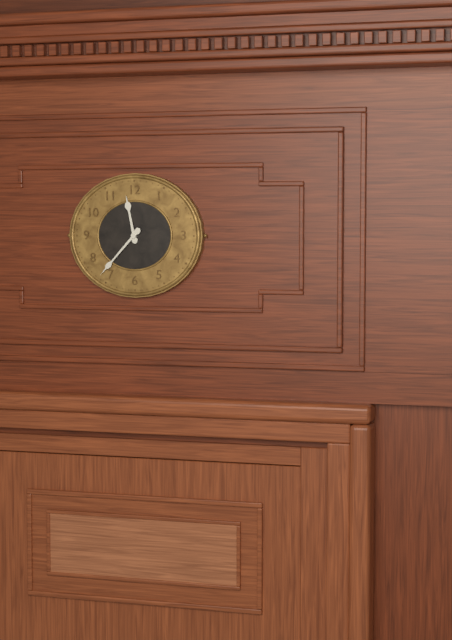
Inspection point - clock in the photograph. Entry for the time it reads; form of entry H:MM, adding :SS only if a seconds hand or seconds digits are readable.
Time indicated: 11:37
